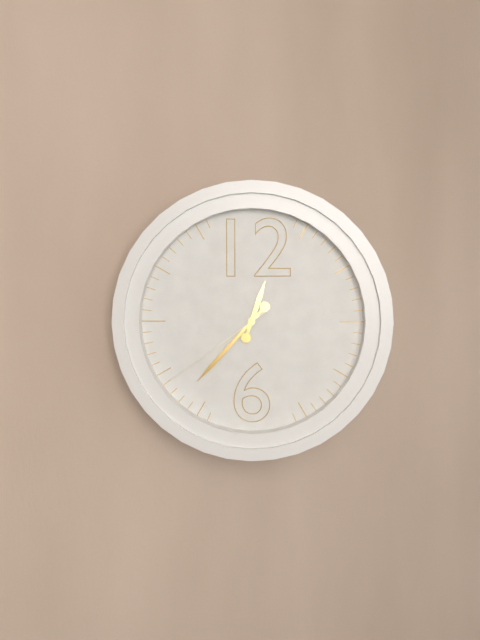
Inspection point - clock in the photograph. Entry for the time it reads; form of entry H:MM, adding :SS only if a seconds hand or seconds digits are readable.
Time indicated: 12:37:39
